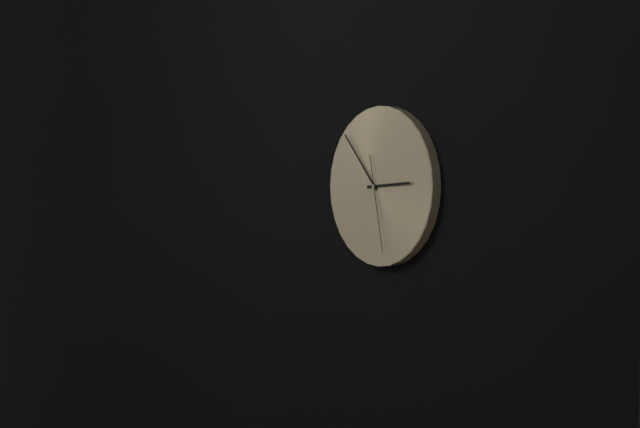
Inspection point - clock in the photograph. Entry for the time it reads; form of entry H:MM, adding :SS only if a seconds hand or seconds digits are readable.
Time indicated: 2:53:28
